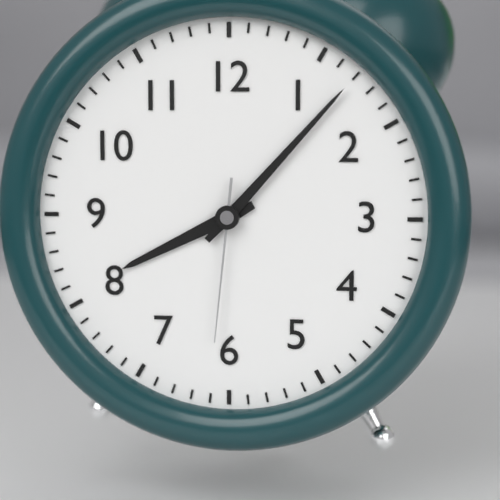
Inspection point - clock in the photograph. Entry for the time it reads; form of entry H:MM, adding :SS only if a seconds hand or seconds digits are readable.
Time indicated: 8:07:31
